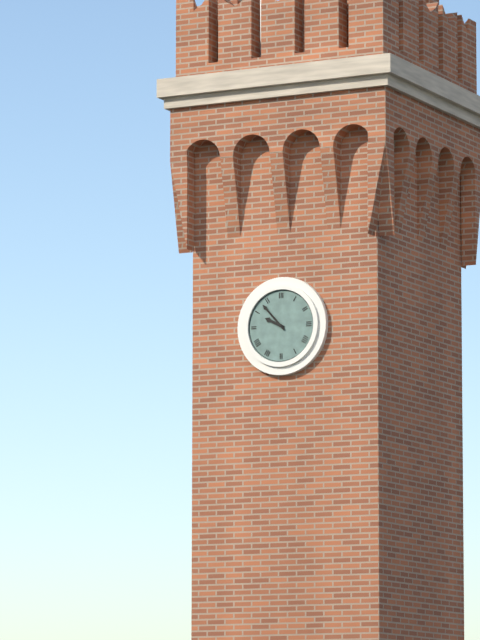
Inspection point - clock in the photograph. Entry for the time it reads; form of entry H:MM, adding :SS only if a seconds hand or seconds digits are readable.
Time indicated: 9:53
